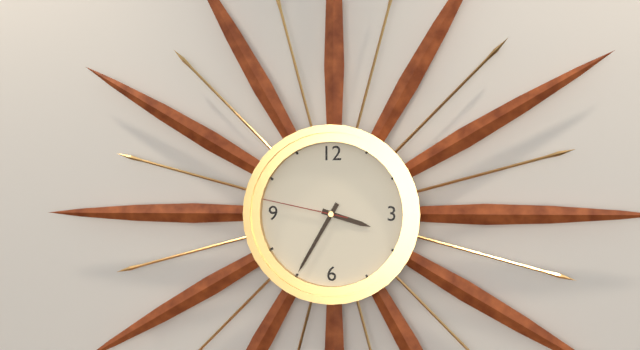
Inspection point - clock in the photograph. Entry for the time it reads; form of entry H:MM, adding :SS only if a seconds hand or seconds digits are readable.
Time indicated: 3:35:47
